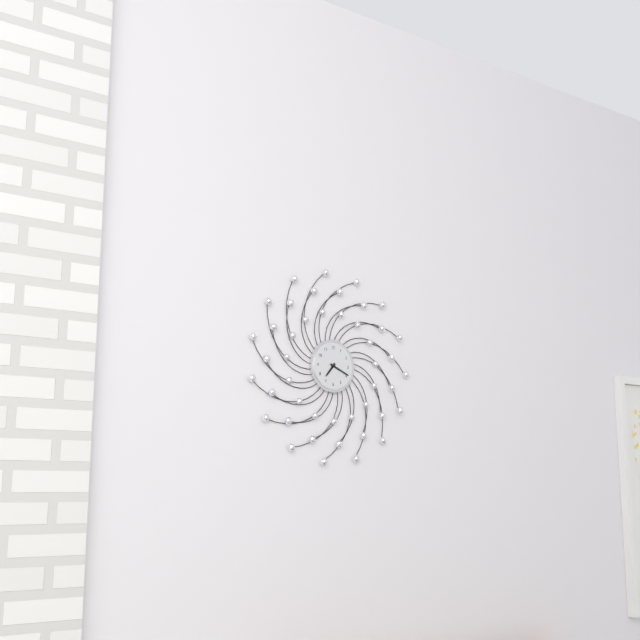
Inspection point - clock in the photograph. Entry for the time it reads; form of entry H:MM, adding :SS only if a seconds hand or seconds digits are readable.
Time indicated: 7:19
